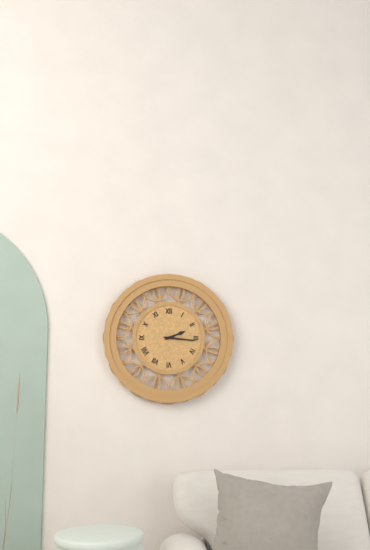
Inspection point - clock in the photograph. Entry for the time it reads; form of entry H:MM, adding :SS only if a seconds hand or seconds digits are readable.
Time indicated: 2:16
